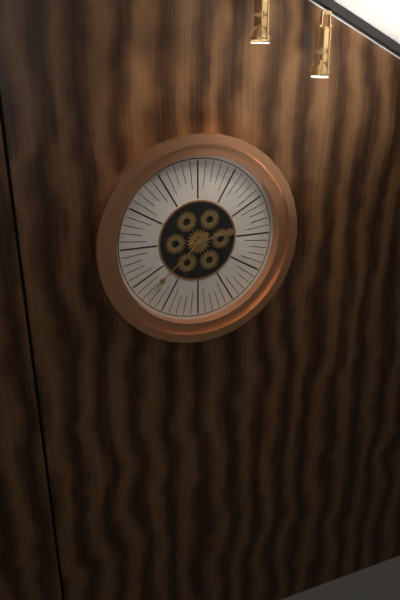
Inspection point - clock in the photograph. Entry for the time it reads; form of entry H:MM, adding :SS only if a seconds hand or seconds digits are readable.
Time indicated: 2:38
